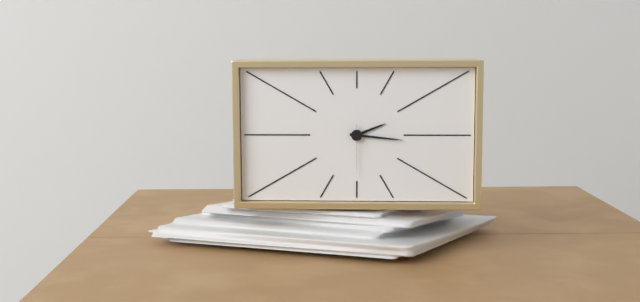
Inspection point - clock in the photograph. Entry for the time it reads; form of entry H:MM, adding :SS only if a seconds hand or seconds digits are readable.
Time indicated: 2:16
